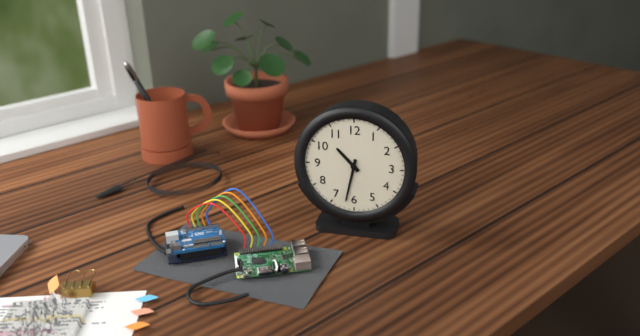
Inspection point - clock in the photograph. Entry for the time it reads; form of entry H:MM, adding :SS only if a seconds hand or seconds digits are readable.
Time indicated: 10:32
